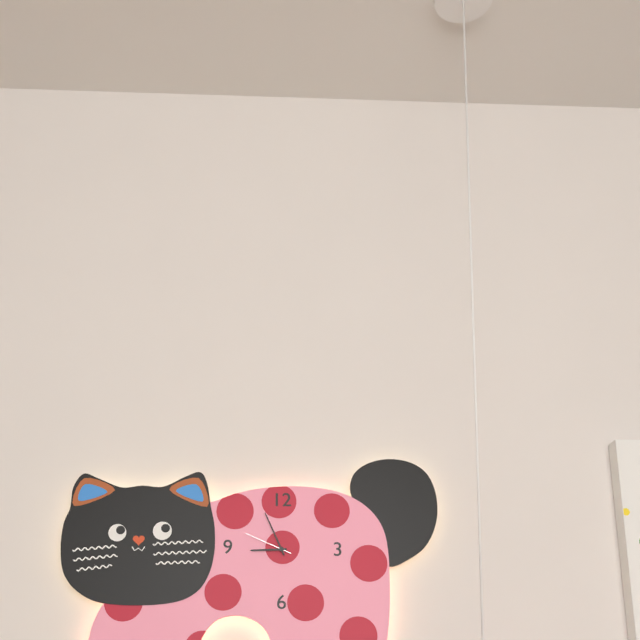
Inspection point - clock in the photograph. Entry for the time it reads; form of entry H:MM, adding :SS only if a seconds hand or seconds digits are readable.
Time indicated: 8:56:49
